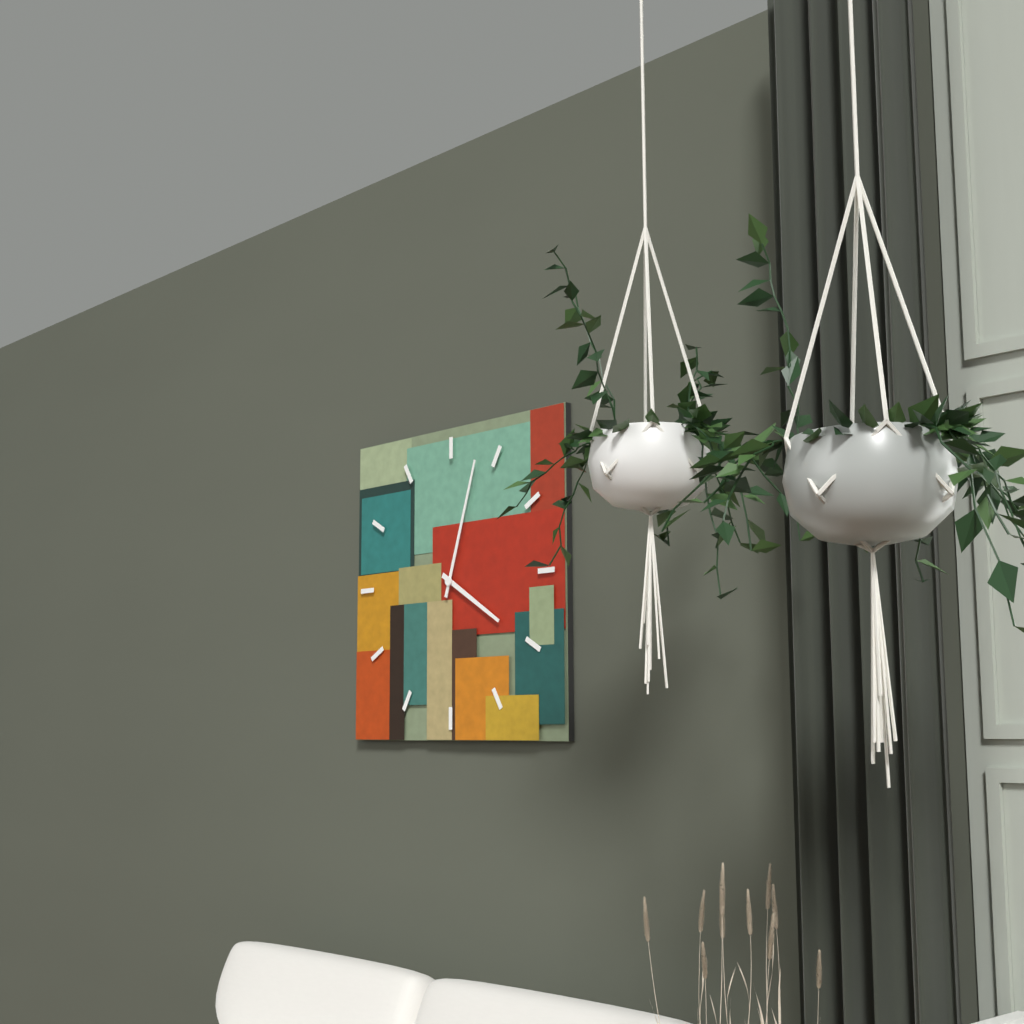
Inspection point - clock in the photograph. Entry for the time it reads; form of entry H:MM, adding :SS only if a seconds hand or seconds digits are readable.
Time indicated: 4:03
